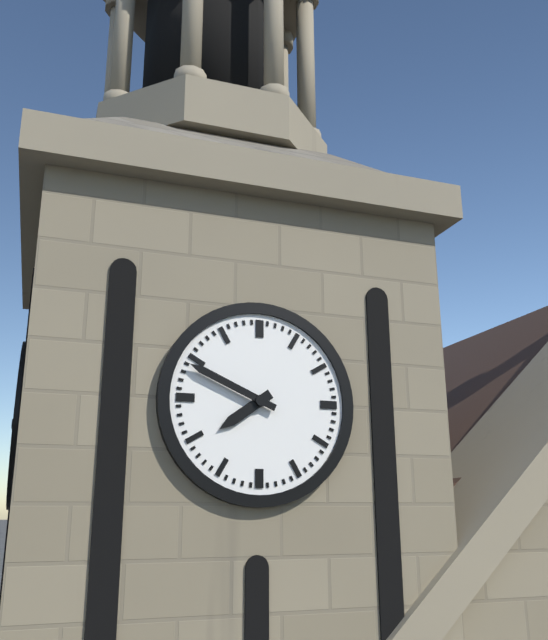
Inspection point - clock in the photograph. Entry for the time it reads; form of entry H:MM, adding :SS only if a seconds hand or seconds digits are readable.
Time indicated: 7:49
